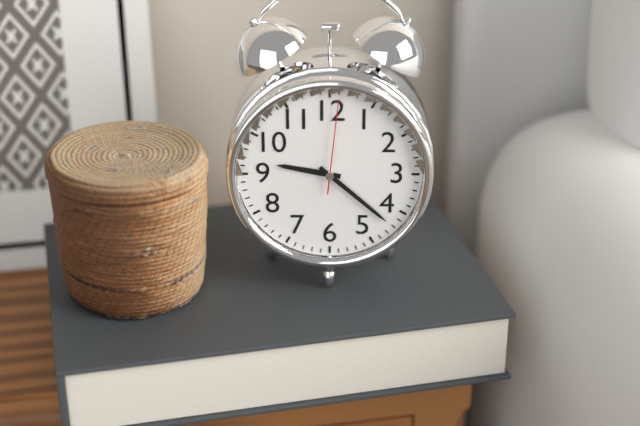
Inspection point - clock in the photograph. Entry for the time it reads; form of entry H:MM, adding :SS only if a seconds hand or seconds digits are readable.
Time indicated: 9:22:01
